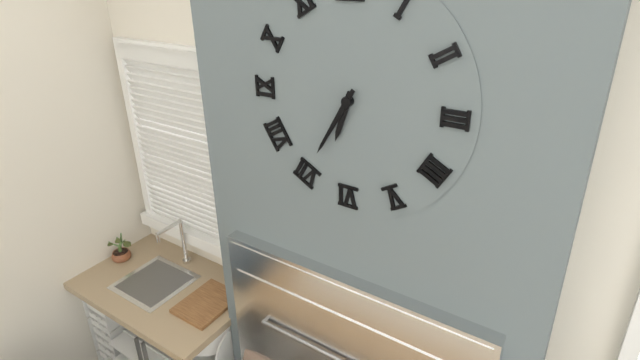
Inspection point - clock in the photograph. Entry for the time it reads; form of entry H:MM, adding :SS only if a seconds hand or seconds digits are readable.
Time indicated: 6:35
